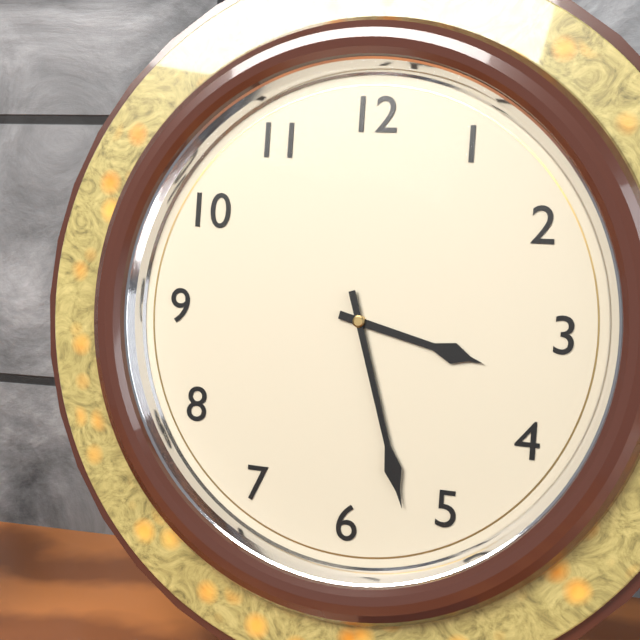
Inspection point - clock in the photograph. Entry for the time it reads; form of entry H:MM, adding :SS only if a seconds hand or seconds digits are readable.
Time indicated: 3:27
